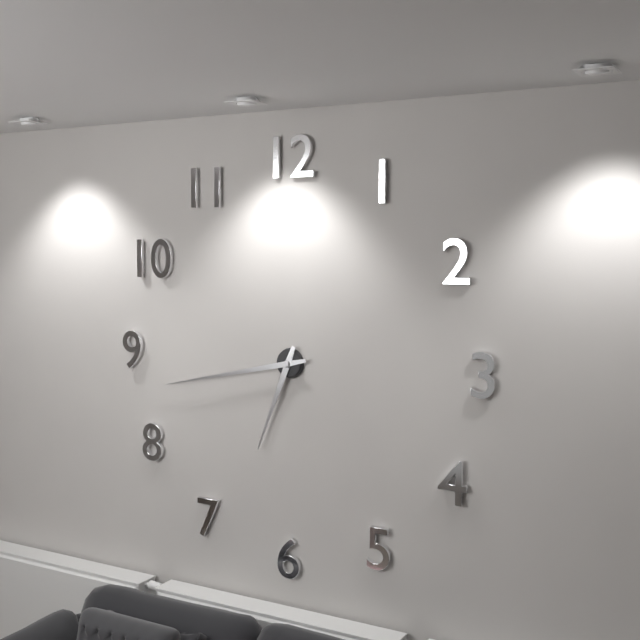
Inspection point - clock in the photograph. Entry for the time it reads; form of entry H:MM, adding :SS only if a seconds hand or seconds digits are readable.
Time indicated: 6:43
